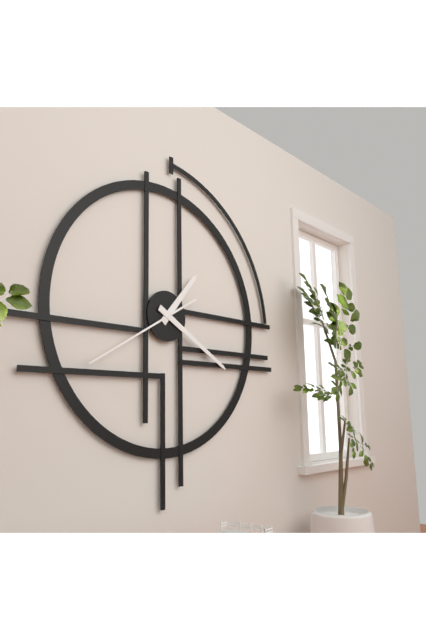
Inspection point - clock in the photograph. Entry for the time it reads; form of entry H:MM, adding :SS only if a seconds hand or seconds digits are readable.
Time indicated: 1:20:40
